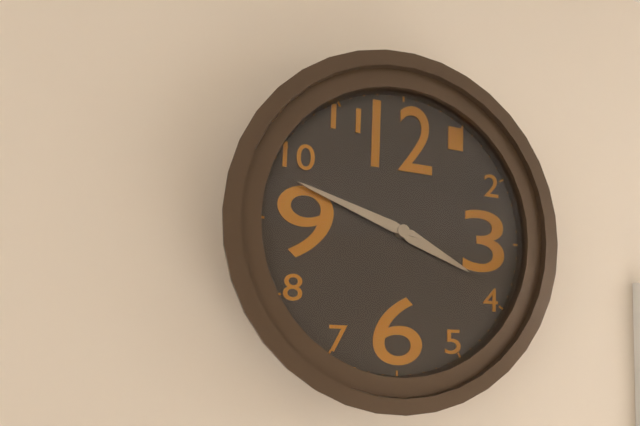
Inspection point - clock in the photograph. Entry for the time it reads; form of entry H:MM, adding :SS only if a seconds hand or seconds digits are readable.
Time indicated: 3:48
